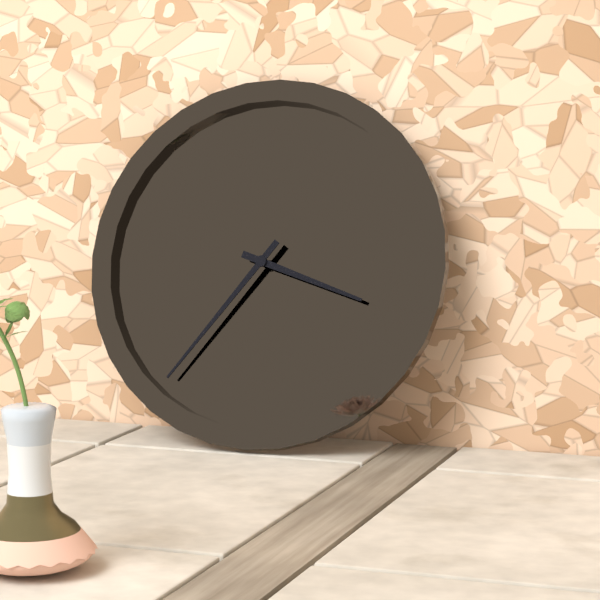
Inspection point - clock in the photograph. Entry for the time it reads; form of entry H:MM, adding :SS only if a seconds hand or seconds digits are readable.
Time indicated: 3:36
